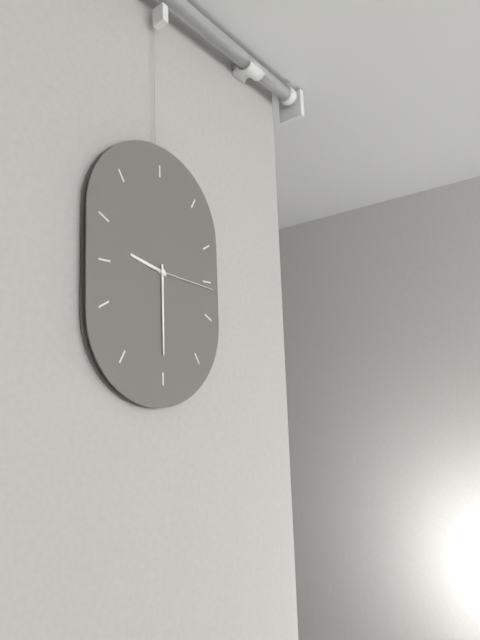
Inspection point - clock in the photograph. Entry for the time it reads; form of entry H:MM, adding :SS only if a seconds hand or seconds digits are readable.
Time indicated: 9:30:16
